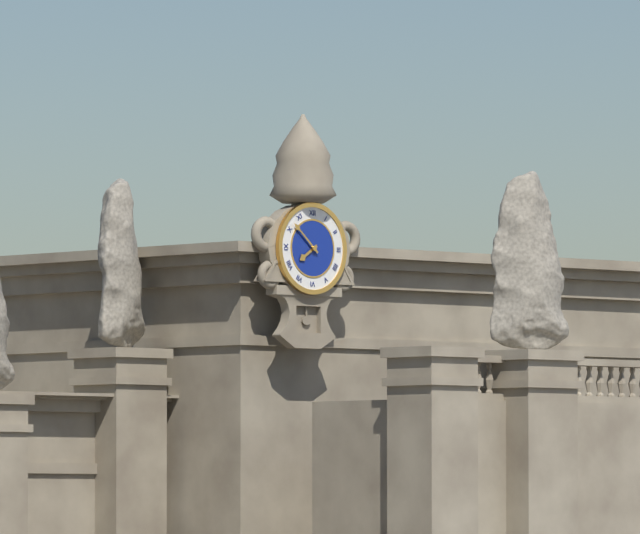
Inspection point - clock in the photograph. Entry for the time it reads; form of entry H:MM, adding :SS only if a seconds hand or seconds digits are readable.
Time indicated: 7:52
